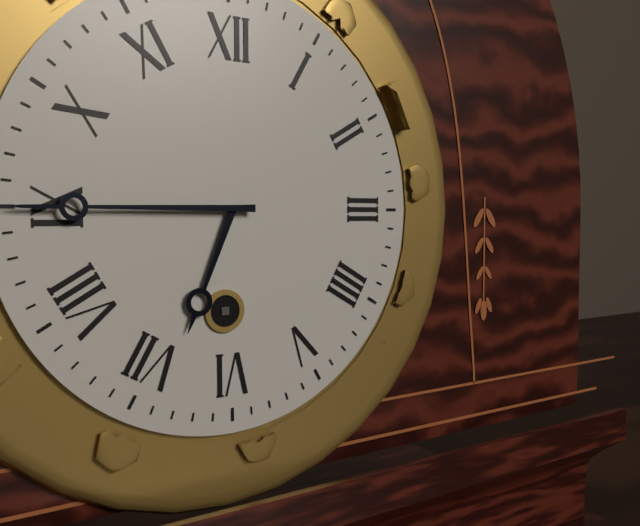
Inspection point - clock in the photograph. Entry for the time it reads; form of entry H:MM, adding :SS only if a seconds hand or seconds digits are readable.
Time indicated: 6:45
